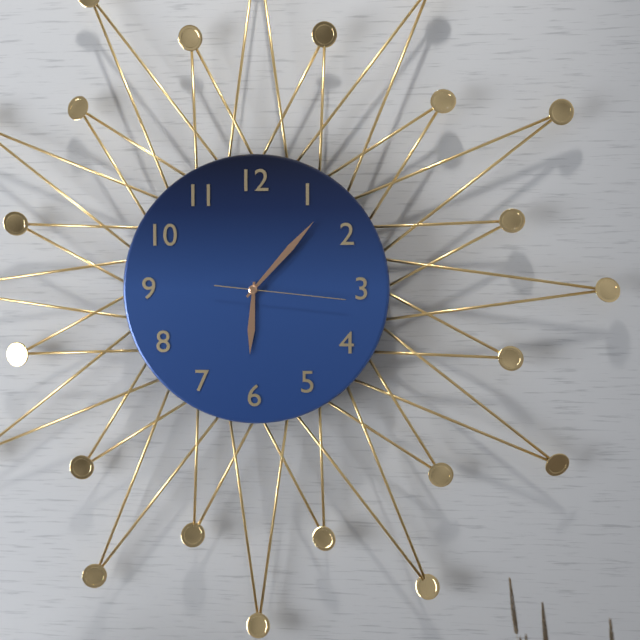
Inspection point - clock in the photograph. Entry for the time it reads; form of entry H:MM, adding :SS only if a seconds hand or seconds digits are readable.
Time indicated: 6:07:16
